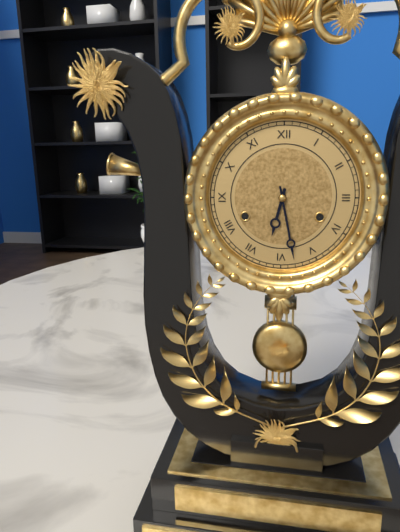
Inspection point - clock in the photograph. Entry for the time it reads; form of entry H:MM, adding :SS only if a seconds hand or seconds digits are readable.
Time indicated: 6:28
